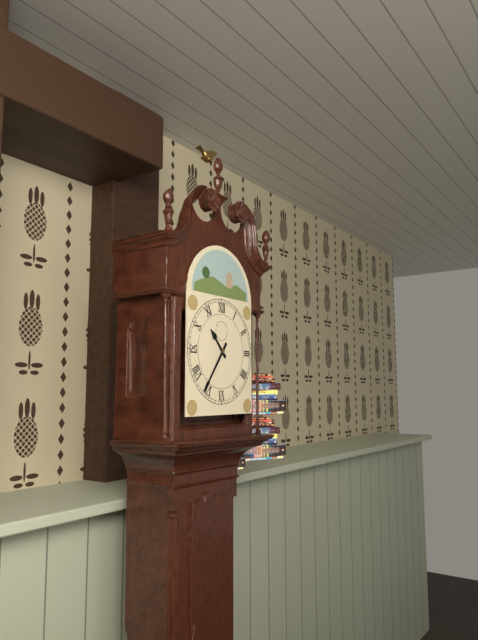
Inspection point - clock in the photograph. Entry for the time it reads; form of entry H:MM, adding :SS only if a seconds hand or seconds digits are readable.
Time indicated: 10:36
